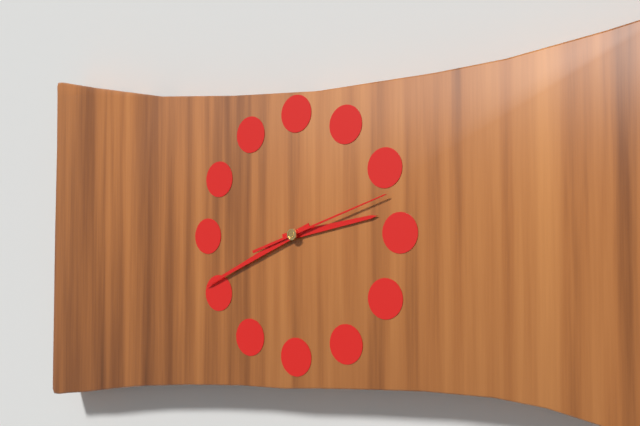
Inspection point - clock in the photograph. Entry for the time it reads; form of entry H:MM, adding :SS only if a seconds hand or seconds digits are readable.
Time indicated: 2:41:12
